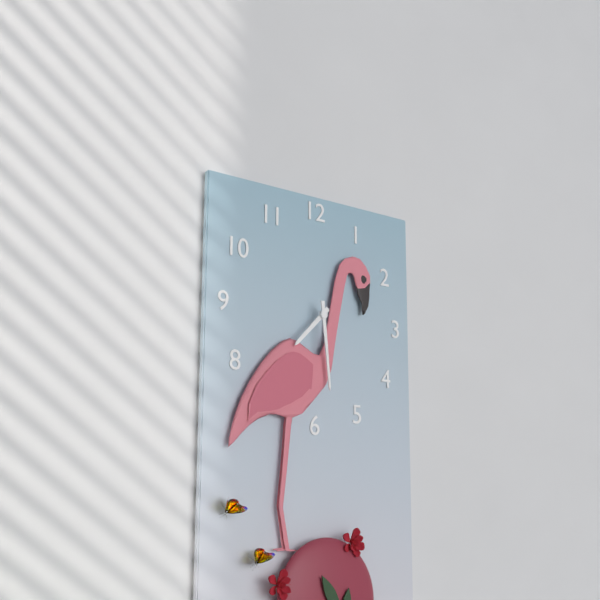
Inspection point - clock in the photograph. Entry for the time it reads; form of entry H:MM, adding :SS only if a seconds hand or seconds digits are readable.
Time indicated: 7:29
